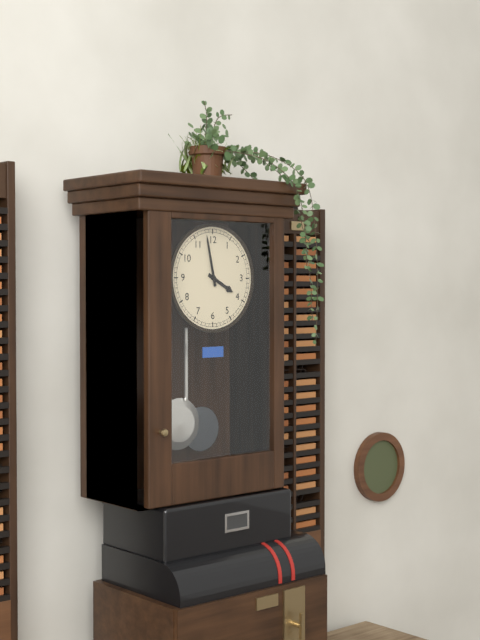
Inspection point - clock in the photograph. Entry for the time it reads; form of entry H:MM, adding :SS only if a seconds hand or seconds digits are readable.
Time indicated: 3:58
